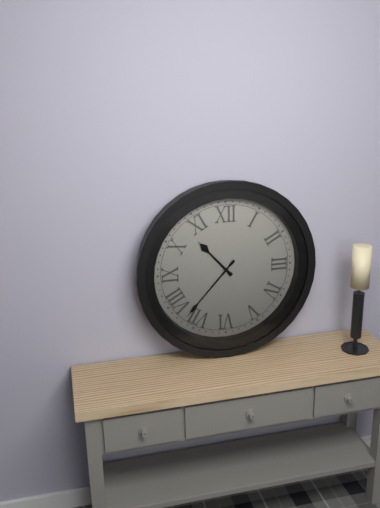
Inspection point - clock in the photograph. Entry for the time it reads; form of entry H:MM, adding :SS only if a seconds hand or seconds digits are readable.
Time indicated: 10:37
